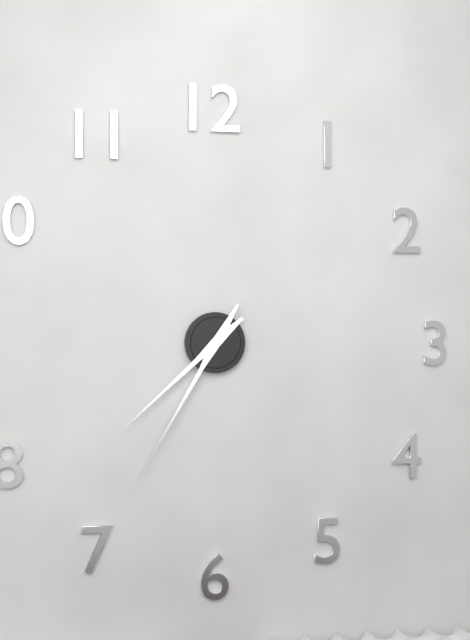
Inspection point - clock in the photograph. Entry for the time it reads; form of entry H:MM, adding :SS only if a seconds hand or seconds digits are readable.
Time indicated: 7:35
